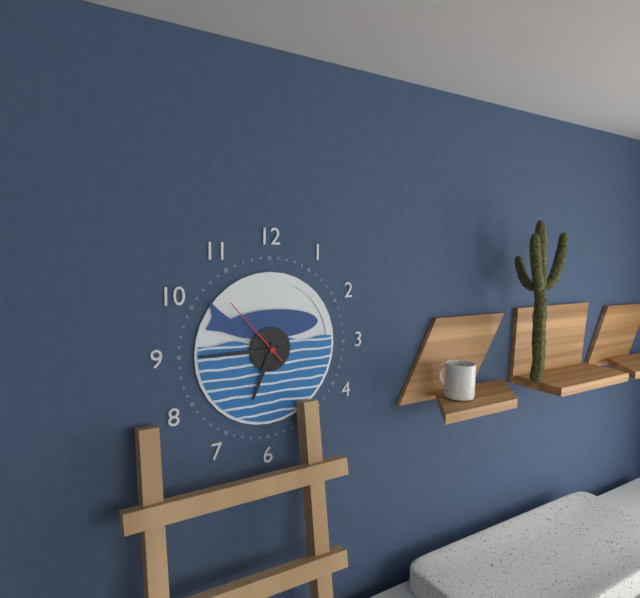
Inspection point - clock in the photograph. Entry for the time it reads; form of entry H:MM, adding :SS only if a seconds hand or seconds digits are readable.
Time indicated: 6:45:53
